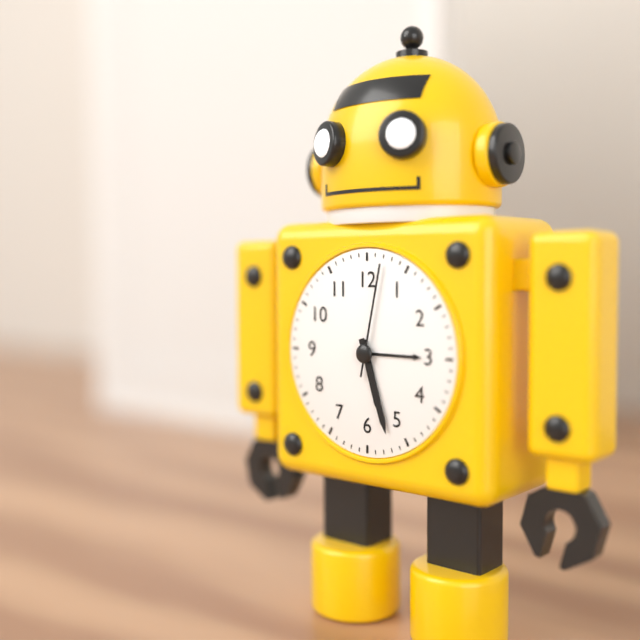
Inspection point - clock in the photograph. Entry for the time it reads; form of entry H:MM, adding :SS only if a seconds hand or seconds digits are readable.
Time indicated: 5:27:02
